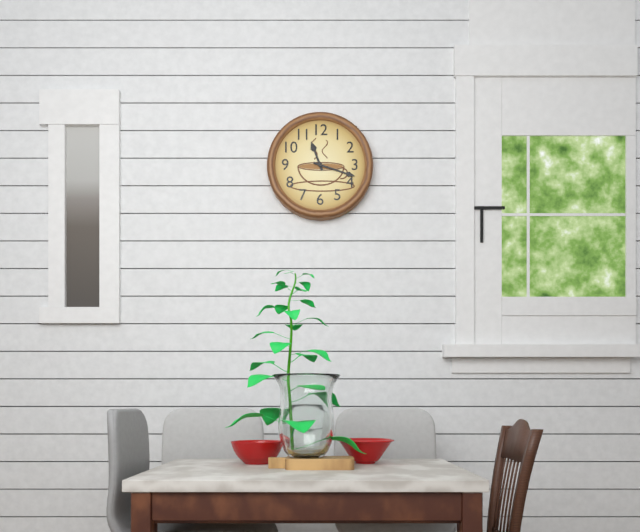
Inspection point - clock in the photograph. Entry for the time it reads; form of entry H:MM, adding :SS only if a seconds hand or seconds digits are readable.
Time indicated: 11:18
